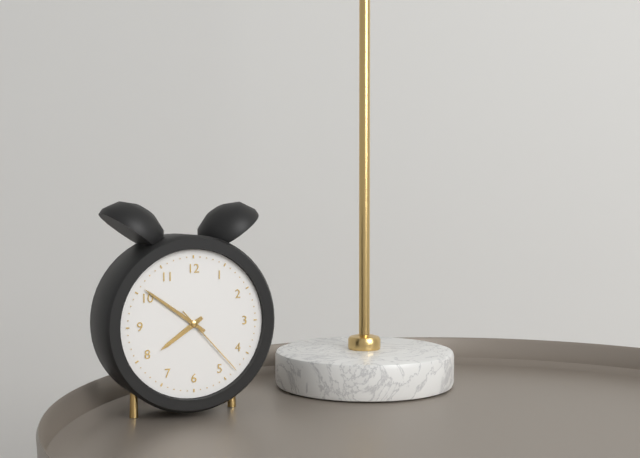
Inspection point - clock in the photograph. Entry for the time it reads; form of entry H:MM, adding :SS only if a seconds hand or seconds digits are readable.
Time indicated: 7:51:23
